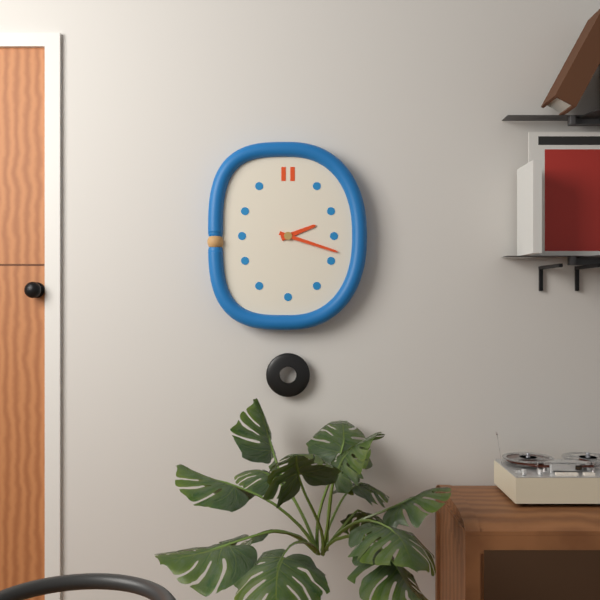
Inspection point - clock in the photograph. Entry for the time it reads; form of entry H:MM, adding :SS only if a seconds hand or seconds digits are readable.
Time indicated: 2:18
